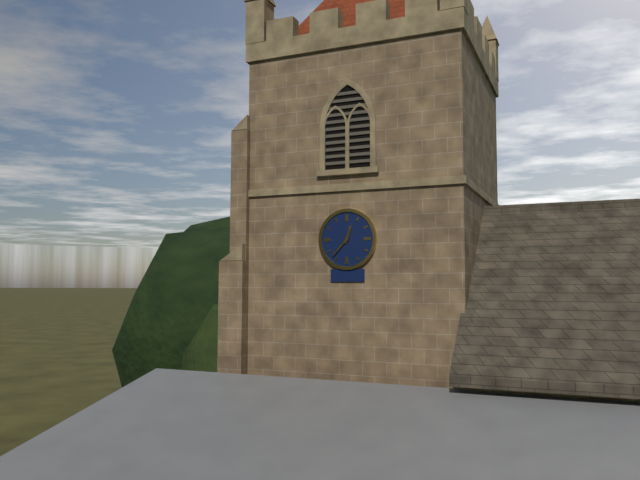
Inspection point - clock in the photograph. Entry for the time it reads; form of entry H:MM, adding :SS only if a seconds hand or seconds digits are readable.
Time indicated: 12:37
